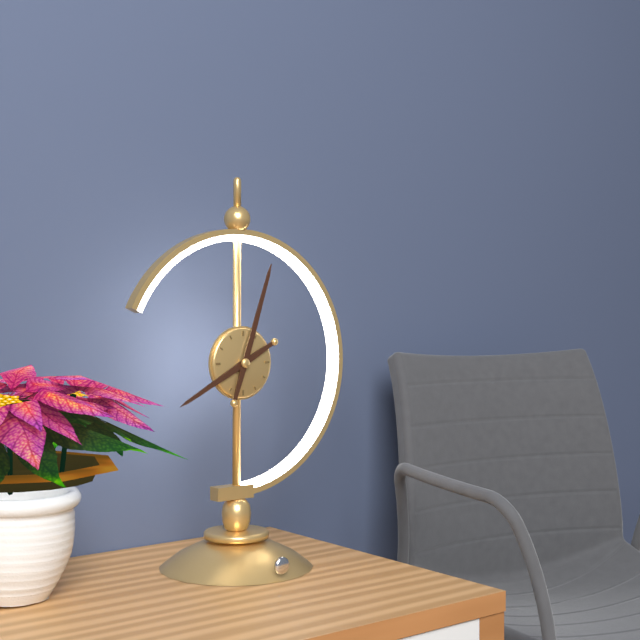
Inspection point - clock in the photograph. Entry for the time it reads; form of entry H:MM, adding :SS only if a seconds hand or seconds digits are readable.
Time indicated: 8:03
